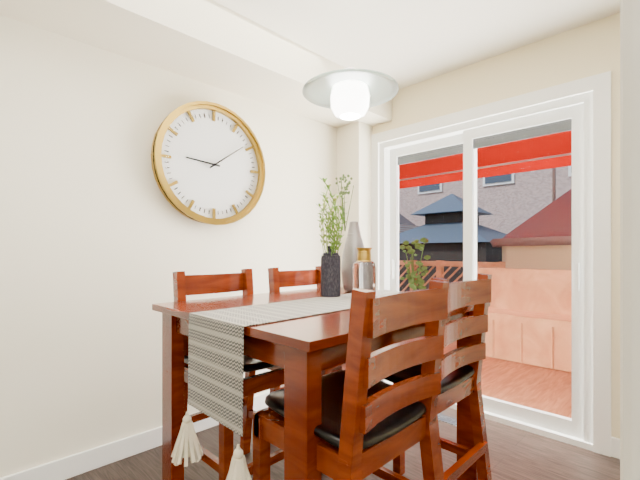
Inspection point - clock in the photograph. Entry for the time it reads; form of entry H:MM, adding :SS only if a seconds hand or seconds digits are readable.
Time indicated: 9:09
